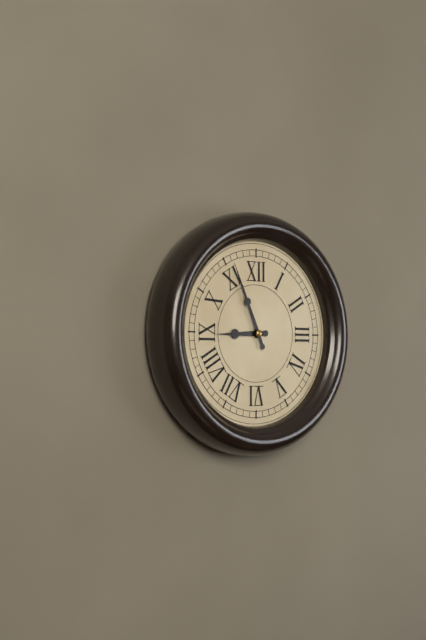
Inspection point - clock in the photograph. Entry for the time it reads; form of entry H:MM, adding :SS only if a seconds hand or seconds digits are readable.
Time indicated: 8:56
